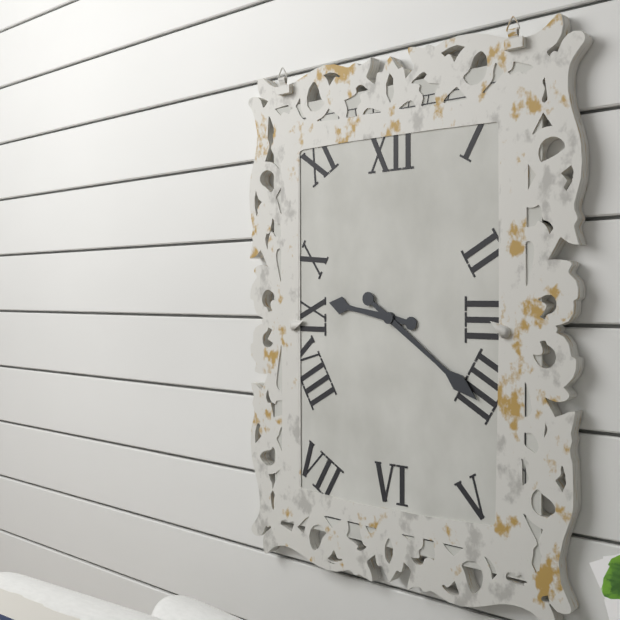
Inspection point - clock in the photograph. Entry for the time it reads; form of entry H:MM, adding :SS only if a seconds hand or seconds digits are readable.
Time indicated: 9:21
